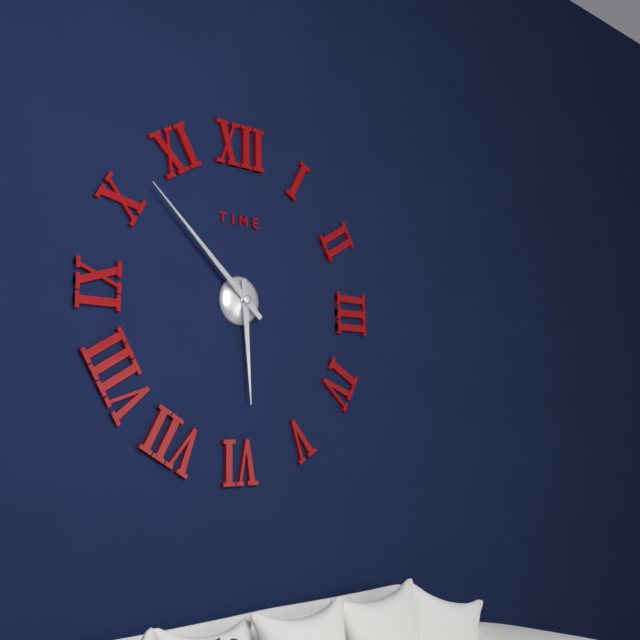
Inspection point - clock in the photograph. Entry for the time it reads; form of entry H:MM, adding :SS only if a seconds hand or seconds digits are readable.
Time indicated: 5:52
